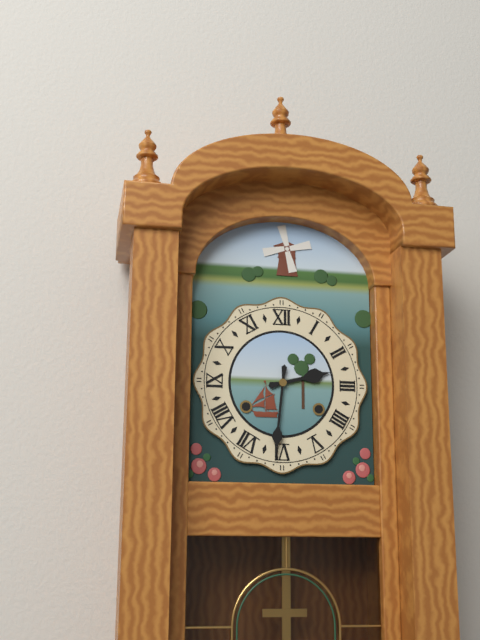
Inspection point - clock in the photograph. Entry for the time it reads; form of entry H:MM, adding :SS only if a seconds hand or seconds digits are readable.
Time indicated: 2:31
